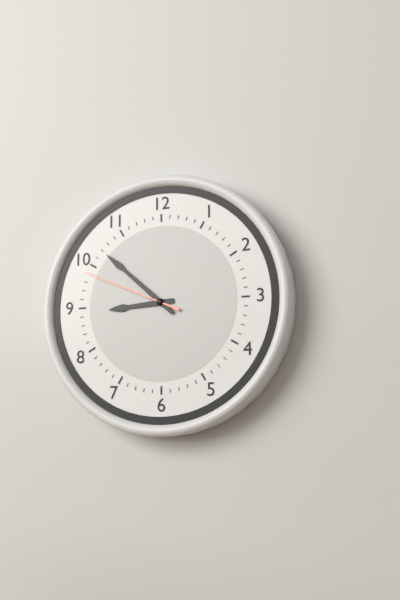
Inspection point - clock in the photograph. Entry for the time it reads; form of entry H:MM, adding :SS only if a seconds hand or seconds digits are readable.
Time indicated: 8:52:49
